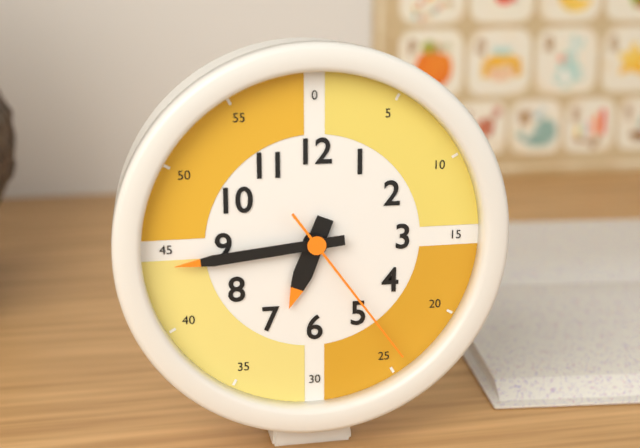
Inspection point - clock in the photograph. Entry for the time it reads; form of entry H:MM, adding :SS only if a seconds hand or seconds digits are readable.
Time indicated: 6:44:24
